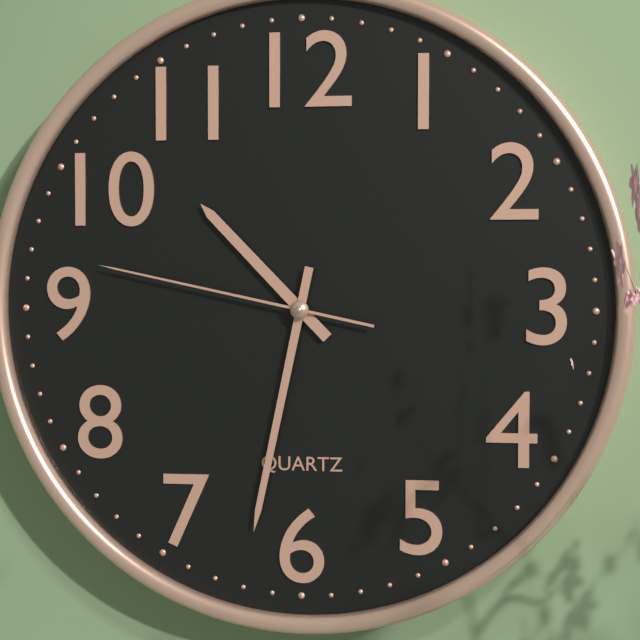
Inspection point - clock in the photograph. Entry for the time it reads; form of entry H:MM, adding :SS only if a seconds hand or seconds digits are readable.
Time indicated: 10:32:47
